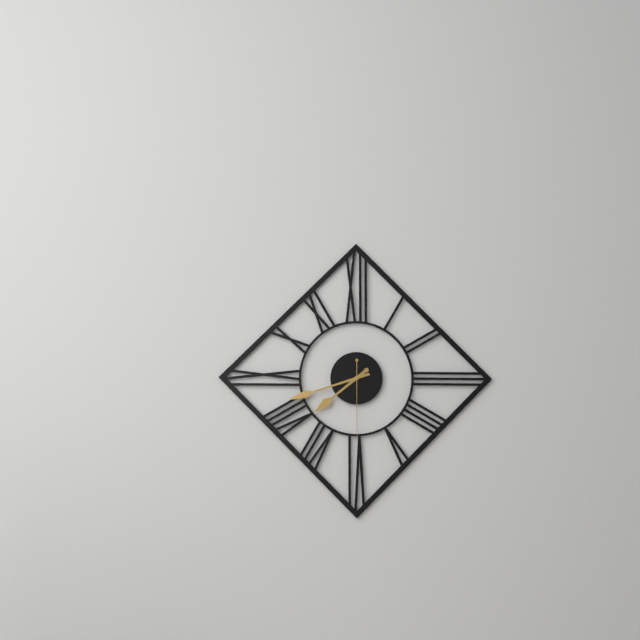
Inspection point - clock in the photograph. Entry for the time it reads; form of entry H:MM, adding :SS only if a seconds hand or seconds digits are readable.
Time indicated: 7:42:30
